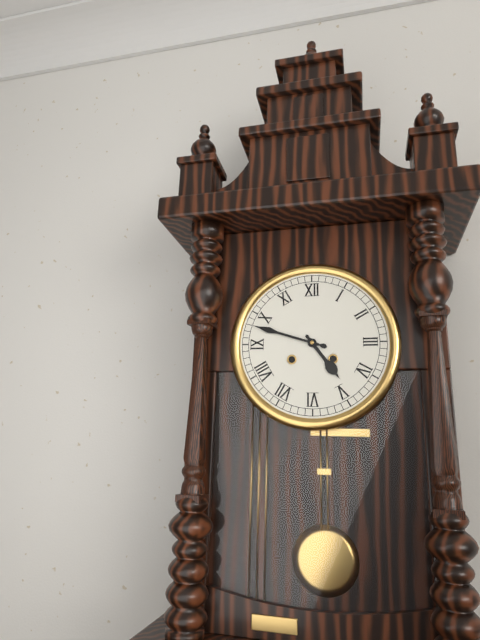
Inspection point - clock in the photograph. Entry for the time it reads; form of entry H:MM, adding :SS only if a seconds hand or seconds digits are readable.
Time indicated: 4:48
